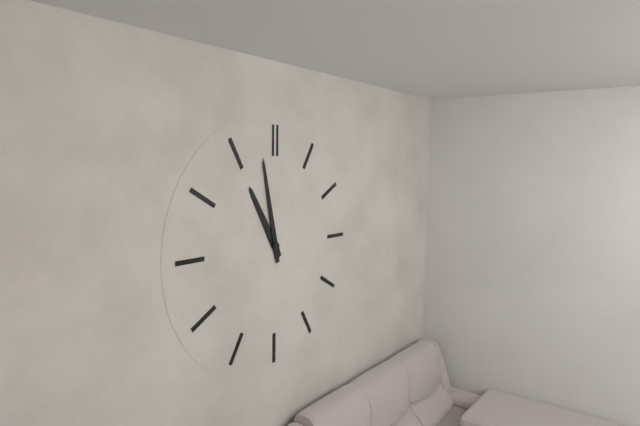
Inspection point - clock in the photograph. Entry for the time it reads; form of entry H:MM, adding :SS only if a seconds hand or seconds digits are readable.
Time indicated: 10:58
